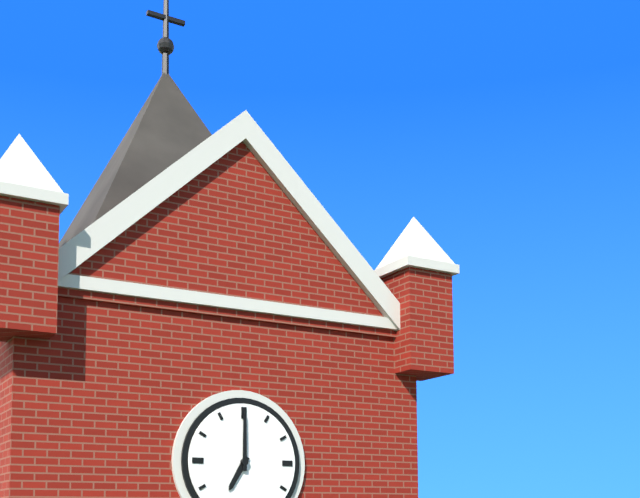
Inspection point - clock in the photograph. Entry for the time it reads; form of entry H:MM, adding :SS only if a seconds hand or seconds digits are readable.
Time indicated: 7:00
